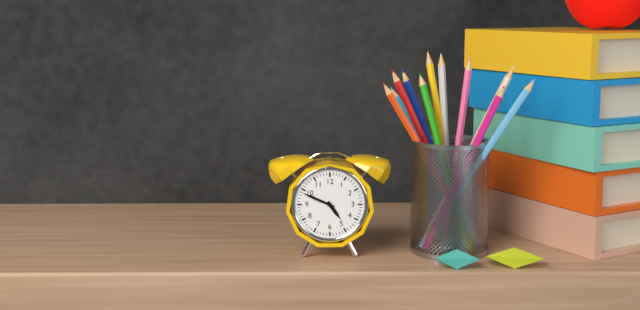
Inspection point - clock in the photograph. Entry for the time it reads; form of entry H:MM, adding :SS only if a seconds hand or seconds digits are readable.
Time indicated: 4:49
